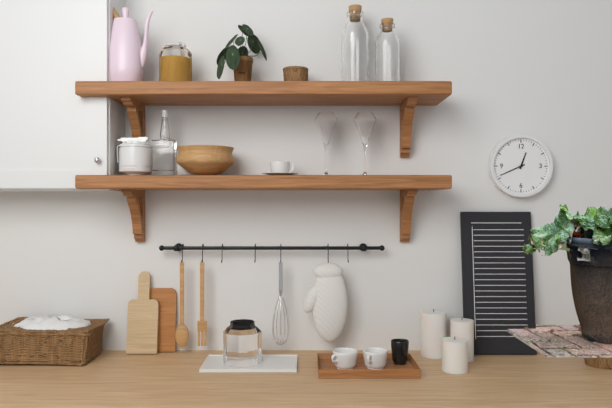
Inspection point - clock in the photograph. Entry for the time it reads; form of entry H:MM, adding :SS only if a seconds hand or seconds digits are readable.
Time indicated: 12:41
